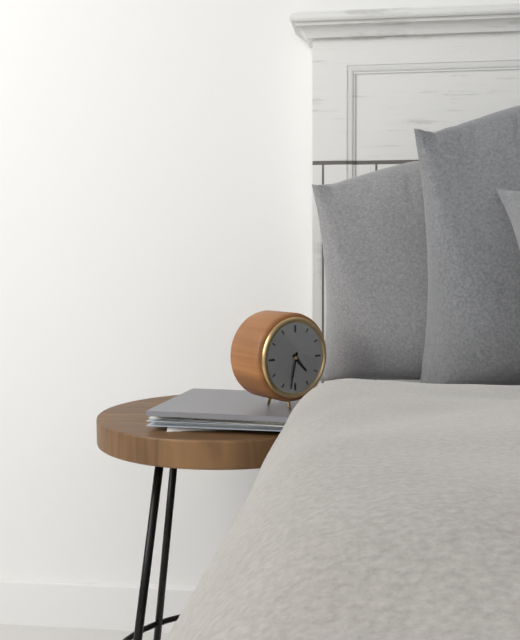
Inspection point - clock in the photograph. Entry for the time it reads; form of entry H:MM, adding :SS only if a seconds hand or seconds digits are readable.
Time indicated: 4:32
